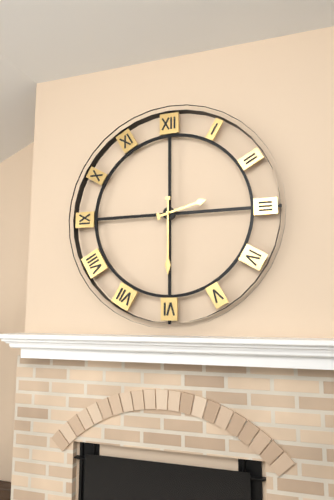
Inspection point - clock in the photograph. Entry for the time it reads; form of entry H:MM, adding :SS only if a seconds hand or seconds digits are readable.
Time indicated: 2:30
